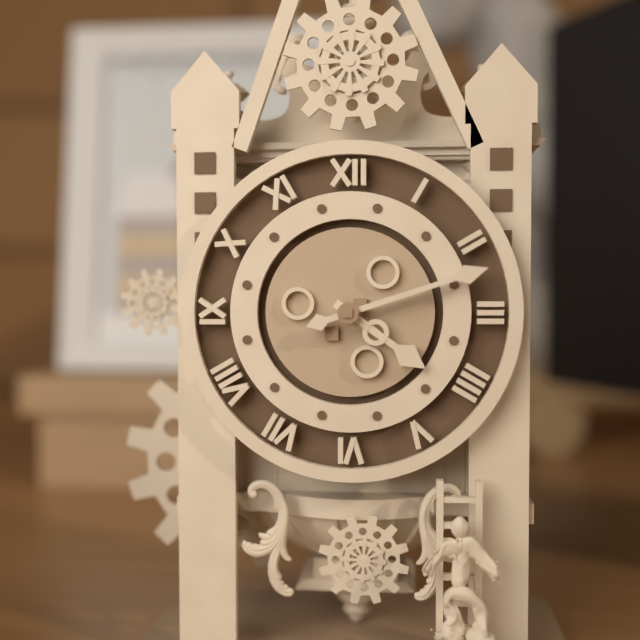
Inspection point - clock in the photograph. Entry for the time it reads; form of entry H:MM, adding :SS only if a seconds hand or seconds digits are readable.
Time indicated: 4:12
